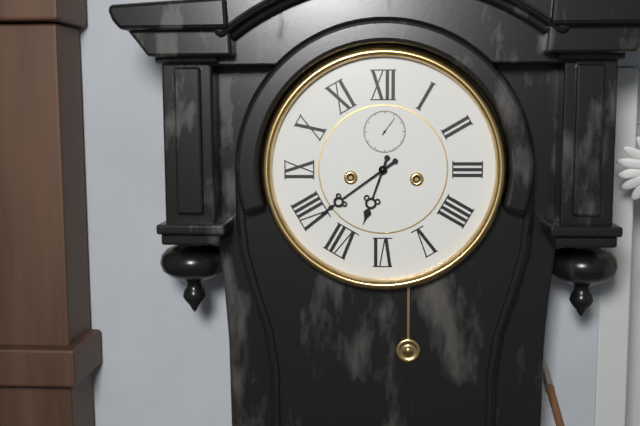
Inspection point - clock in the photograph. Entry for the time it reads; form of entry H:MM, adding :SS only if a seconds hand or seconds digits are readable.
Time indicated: 6:39
